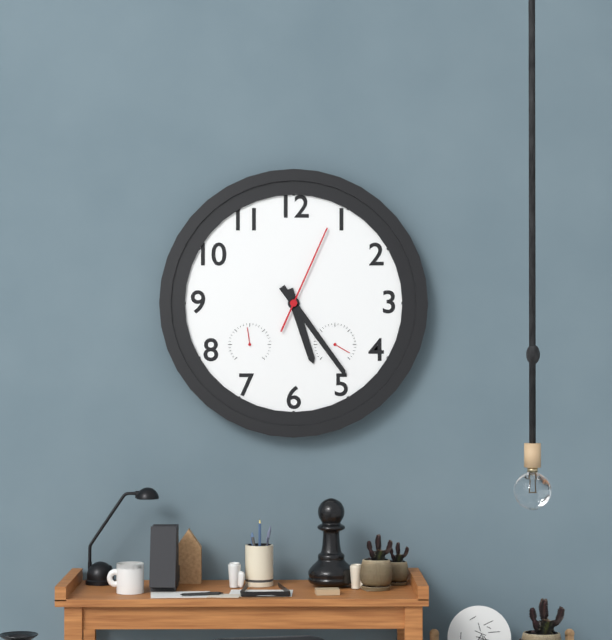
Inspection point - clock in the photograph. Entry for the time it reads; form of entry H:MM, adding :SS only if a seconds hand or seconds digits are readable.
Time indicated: 5:24:04
